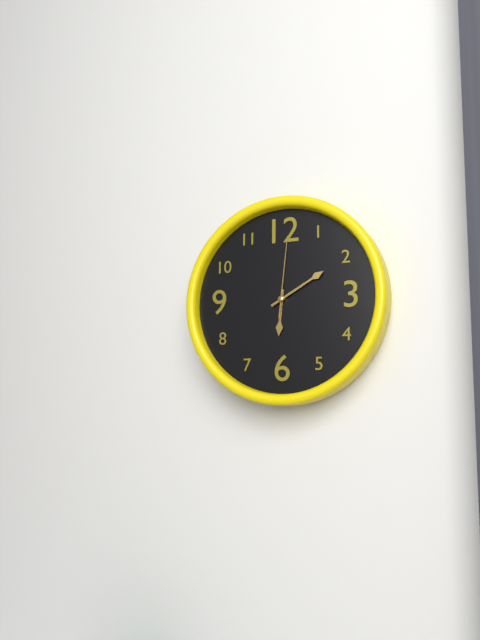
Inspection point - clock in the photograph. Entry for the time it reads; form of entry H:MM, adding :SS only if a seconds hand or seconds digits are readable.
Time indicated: 6:10:01
